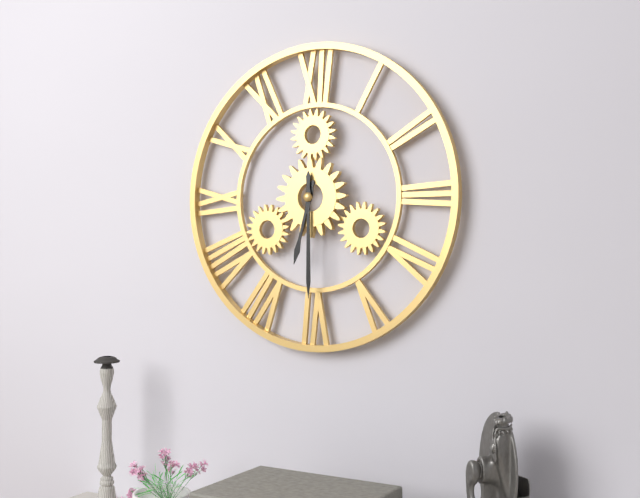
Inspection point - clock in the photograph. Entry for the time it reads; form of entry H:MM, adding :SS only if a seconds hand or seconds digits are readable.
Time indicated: 6:30
